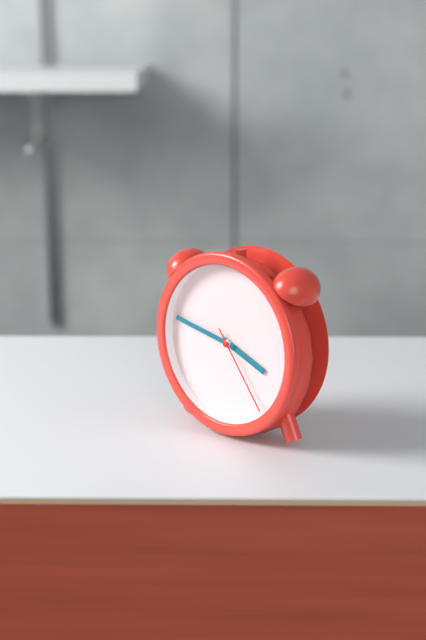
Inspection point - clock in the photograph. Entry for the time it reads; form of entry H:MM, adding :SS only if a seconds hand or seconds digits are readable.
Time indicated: 3:47:24
